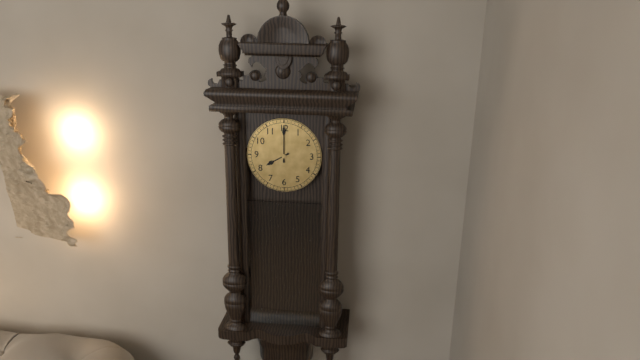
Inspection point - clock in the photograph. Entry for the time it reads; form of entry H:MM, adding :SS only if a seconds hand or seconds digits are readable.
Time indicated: 8:00
